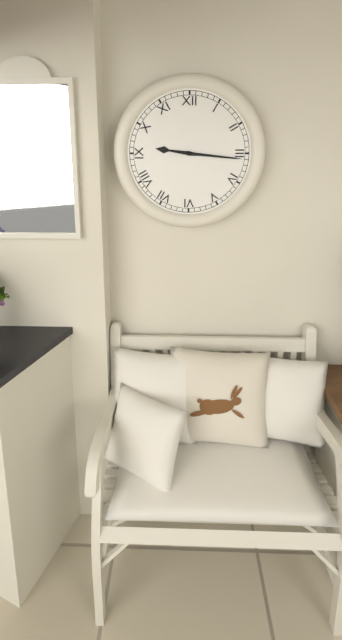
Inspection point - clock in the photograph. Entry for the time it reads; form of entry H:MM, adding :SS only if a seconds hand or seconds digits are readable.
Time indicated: 9:16
